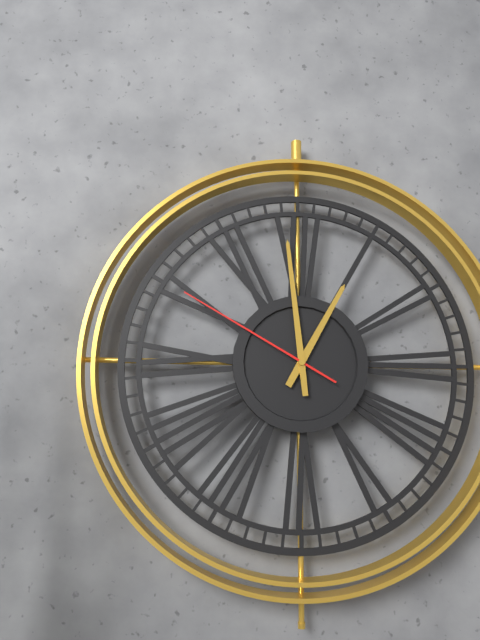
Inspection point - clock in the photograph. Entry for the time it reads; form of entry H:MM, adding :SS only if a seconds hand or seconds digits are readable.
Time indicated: 12:59:50
